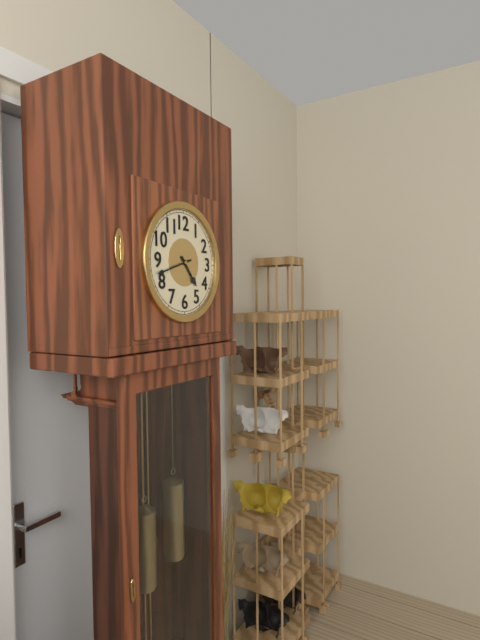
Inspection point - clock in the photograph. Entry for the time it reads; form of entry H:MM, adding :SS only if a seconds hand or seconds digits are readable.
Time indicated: 4:42
